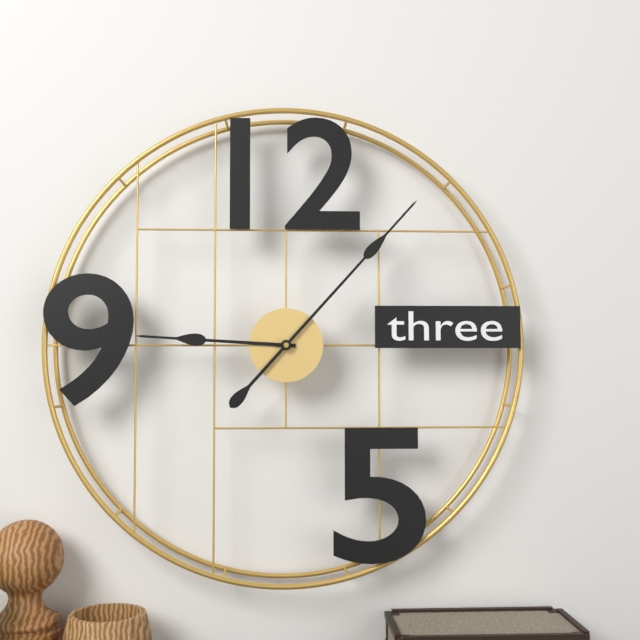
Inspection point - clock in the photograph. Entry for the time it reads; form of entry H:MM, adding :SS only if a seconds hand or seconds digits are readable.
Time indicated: 9:07
